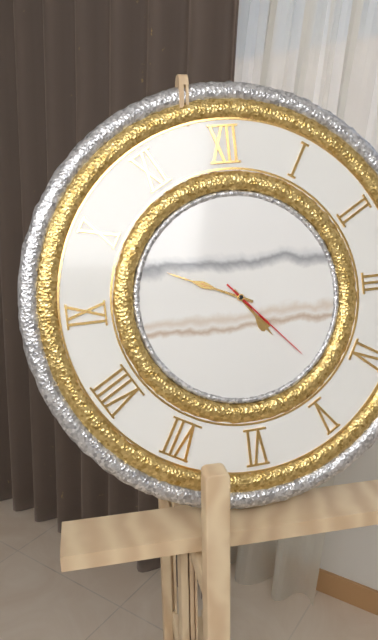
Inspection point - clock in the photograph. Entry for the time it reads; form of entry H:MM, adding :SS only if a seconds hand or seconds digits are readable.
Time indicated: 4:49:23
